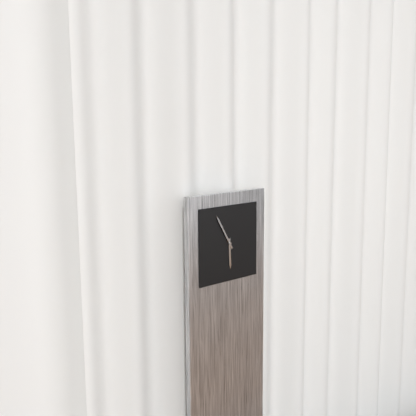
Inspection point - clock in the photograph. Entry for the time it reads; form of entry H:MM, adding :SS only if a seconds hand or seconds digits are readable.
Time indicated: 5:55
